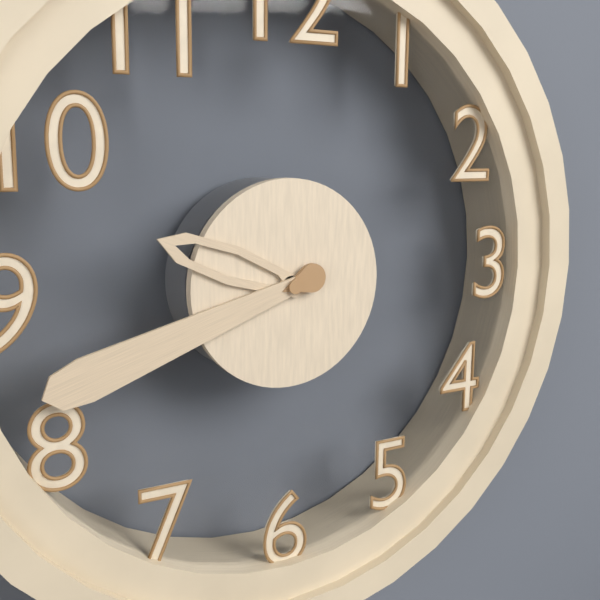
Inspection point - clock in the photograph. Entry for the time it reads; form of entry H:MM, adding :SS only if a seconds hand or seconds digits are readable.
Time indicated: 9:42
